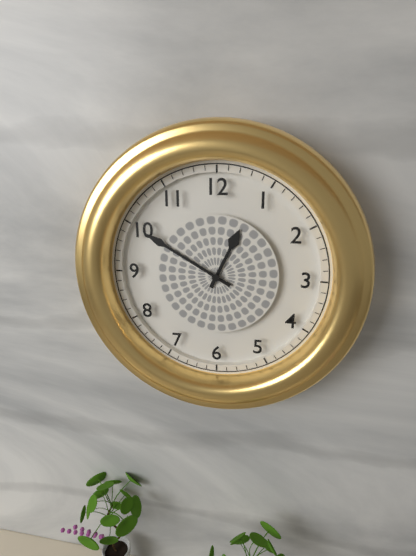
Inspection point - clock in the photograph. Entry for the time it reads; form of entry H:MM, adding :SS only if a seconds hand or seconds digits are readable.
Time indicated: 12:50
